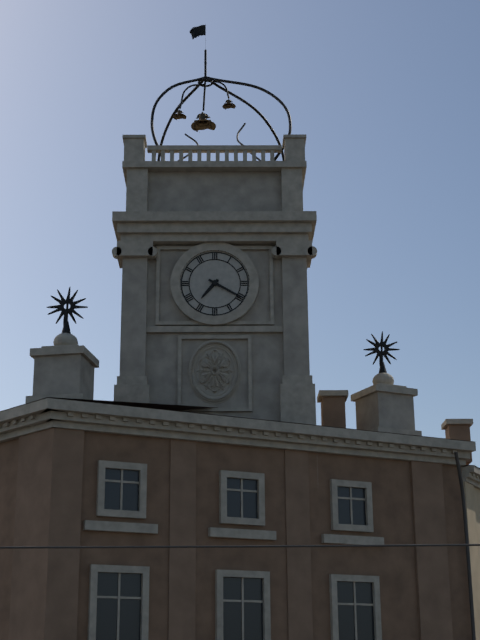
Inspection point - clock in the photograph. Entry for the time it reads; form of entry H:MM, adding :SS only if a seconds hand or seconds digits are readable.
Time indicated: 7:20
